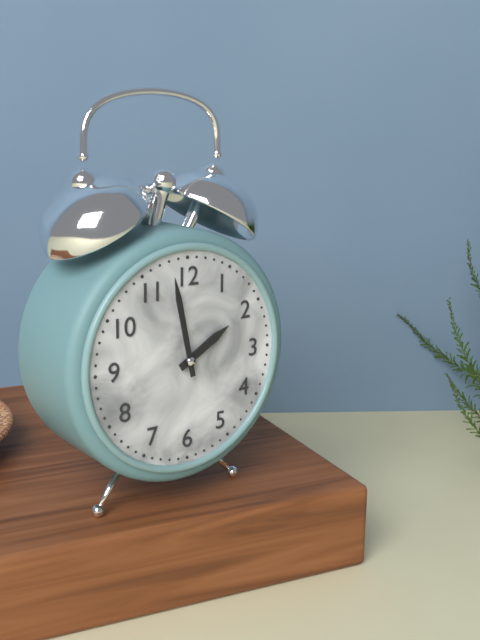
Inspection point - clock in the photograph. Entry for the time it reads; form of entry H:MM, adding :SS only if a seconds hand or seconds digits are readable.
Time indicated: 1:58
